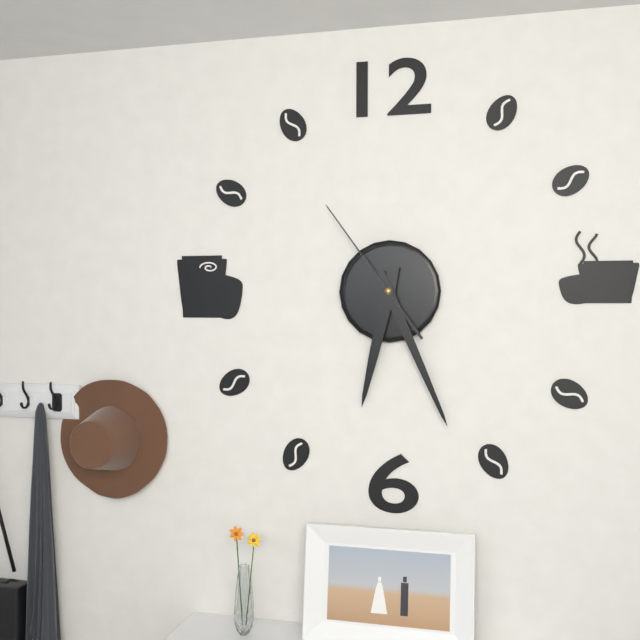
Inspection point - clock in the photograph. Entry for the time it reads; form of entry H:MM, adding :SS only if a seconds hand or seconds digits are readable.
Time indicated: 6:26:54
